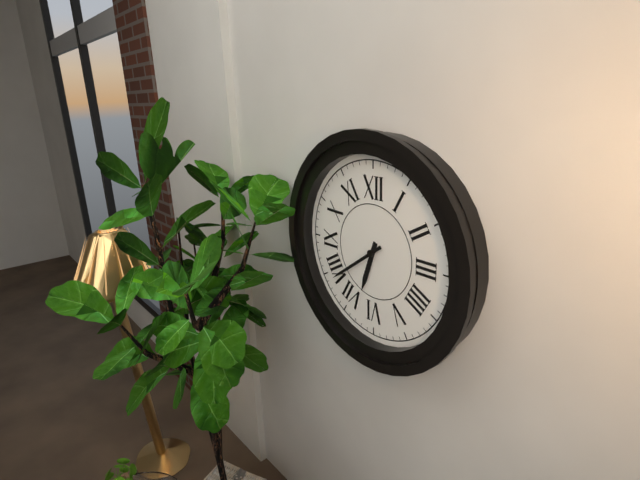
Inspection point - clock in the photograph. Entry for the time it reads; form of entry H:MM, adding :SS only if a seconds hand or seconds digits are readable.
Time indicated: 6:39
